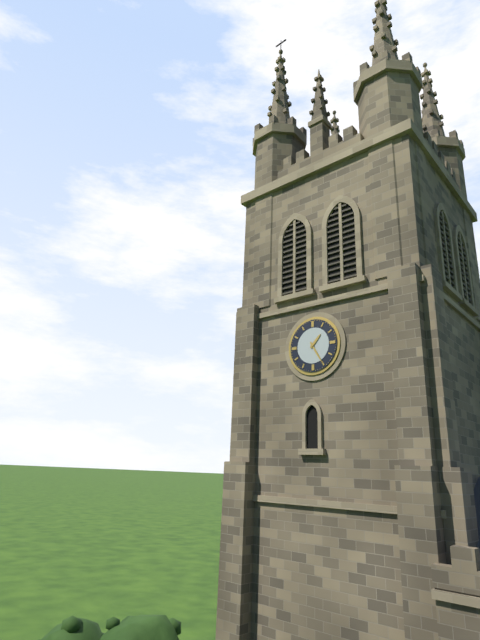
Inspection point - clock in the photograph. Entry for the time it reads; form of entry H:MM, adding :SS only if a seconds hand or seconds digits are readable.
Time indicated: 1:25
